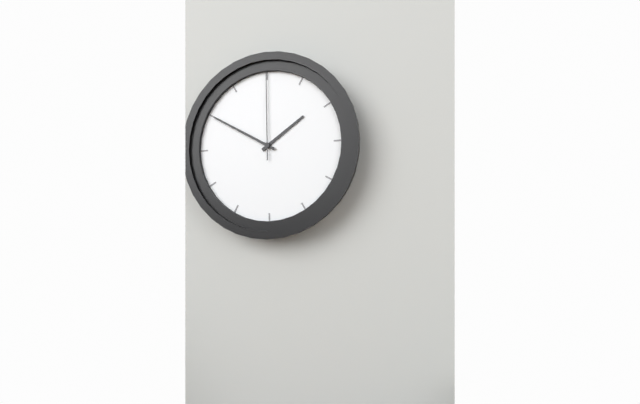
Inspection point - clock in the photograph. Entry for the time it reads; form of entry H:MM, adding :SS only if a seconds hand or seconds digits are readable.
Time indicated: 1:50:00
